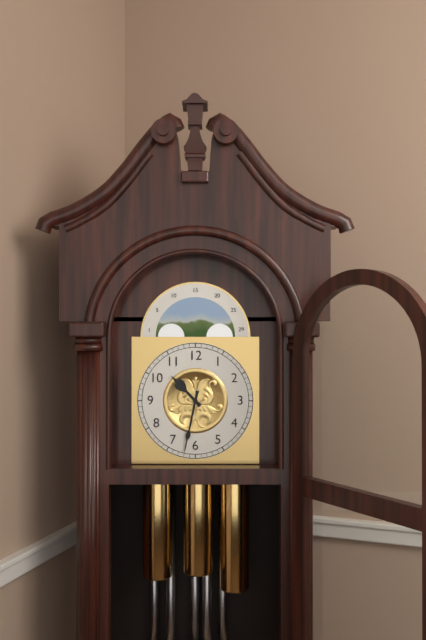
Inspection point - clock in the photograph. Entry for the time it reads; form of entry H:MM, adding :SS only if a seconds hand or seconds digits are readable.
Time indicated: 10:32
